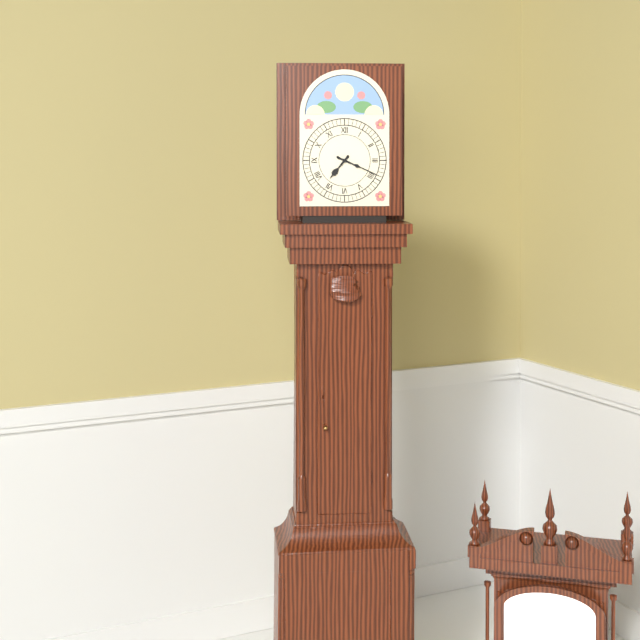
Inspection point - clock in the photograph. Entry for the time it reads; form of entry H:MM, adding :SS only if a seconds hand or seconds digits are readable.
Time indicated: 7:19
